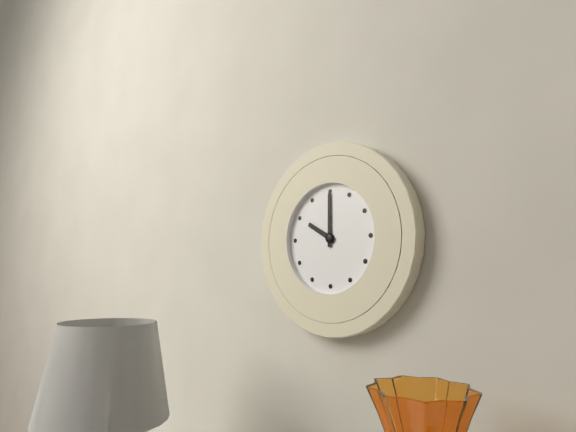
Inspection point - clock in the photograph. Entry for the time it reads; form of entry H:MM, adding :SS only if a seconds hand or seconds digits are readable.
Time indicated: 10:00
